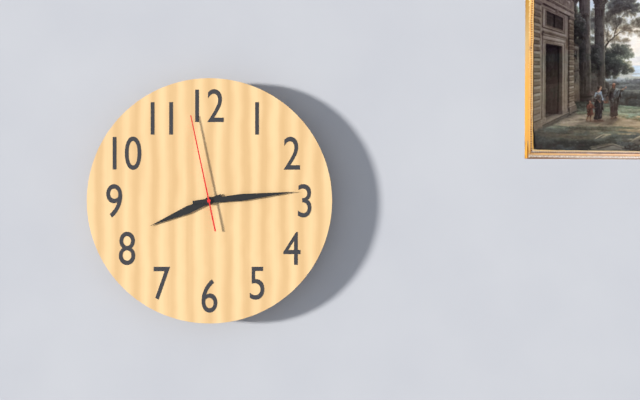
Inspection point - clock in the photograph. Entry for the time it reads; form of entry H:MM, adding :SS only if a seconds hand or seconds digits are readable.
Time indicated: 8:14:58
